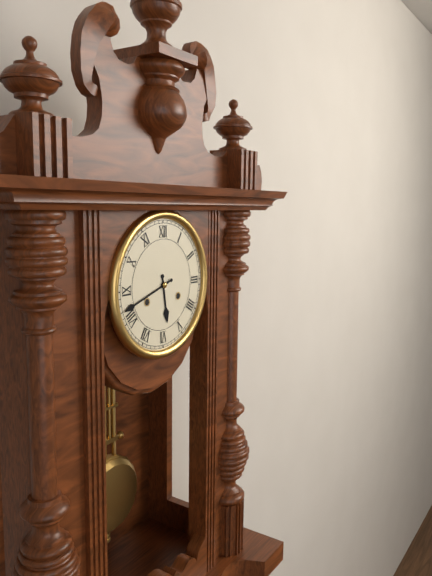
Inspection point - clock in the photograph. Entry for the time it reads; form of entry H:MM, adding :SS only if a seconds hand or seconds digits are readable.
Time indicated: 5:42
